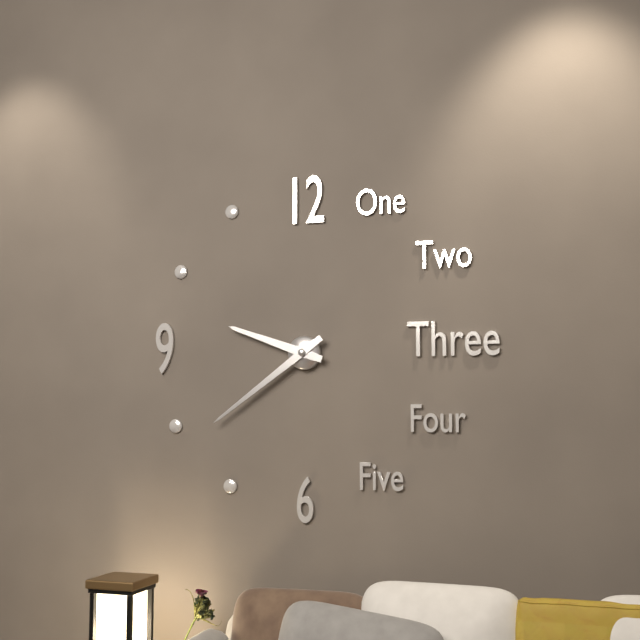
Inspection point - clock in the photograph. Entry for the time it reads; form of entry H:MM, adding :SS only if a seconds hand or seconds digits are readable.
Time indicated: 9:39
